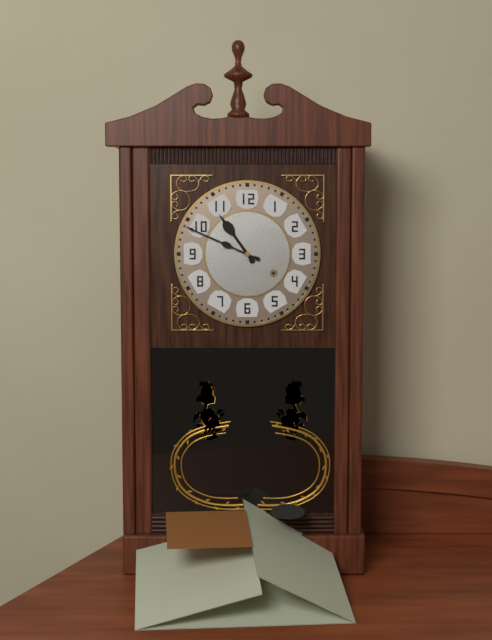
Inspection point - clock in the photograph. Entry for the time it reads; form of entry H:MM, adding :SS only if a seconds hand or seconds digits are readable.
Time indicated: 10:49
